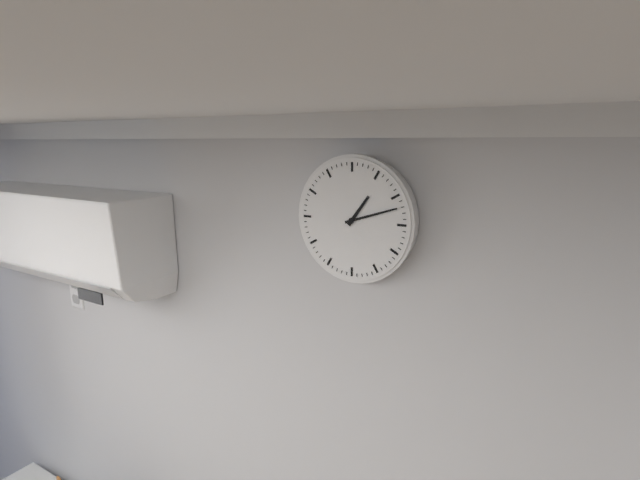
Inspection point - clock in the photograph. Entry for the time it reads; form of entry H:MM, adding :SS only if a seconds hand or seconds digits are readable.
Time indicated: 1:12
